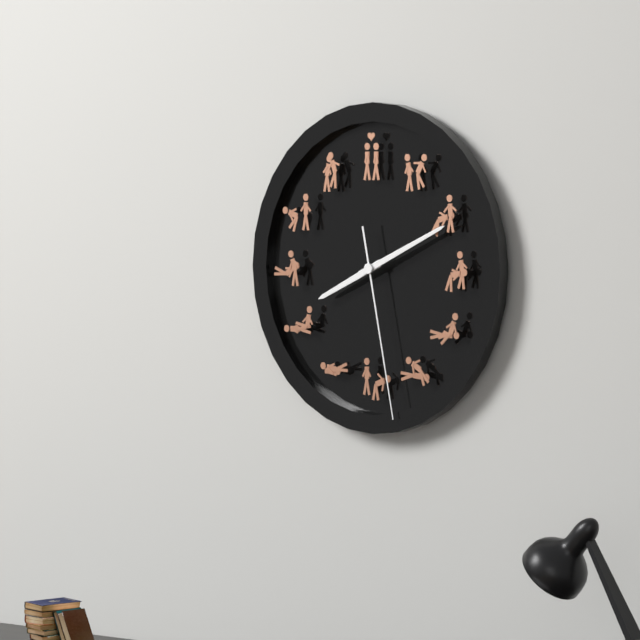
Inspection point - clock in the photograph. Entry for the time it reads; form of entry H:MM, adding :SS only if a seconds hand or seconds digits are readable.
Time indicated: 8:11:28
